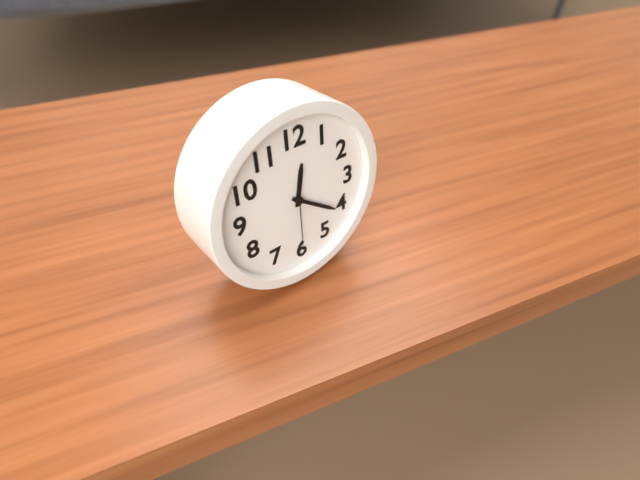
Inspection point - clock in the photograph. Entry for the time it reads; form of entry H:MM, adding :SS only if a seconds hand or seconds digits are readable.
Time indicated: 12:21:30
